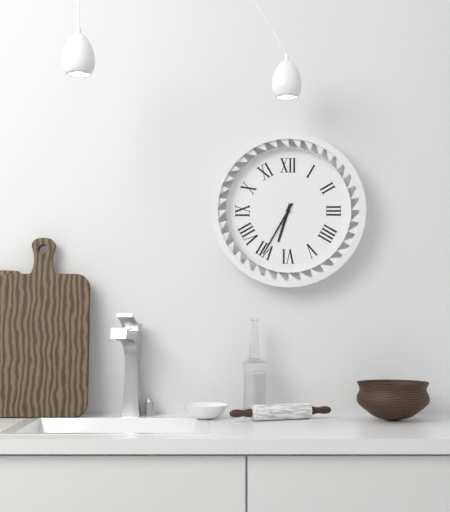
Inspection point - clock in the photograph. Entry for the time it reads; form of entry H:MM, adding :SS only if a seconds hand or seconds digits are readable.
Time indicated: 6:35
